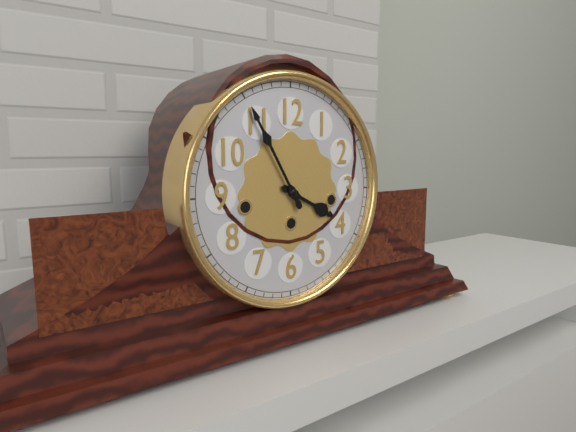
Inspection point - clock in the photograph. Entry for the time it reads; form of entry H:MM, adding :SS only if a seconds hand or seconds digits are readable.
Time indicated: 3:55
